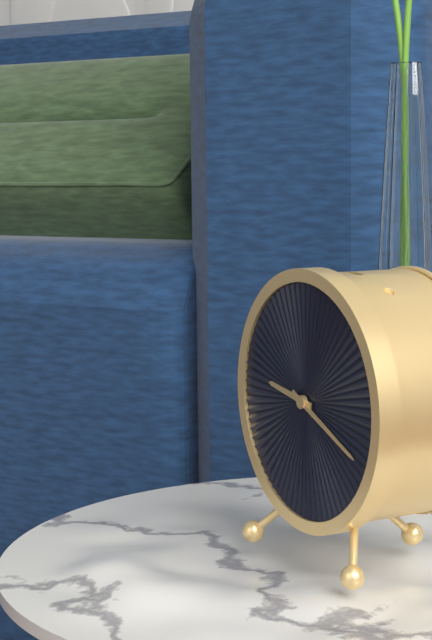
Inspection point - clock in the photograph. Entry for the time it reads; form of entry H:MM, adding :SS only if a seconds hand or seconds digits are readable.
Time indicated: 9:19
